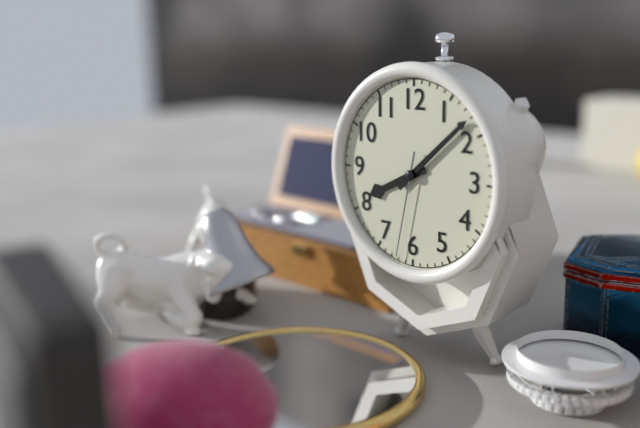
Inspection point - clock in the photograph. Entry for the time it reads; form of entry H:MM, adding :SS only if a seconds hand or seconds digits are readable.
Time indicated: 8:08:32
